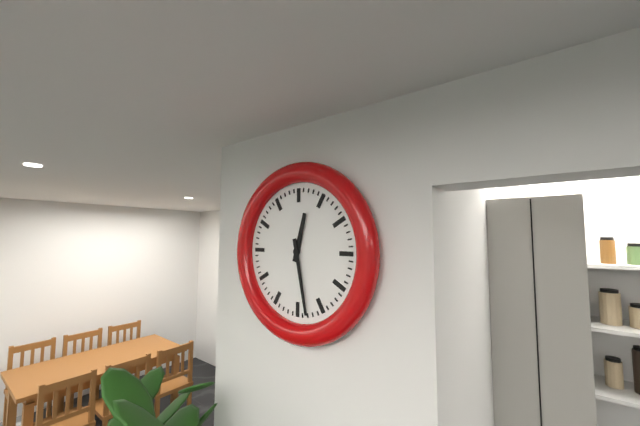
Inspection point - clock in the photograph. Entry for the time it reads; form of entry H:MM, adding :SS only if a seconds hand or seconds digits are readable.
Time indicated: 12:28
